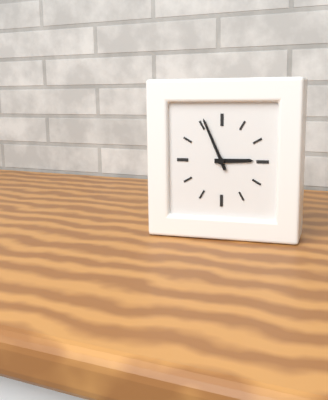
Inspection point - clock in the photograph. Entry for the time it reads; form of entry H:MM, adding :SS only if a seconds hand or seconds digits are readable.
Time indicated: 2:56
